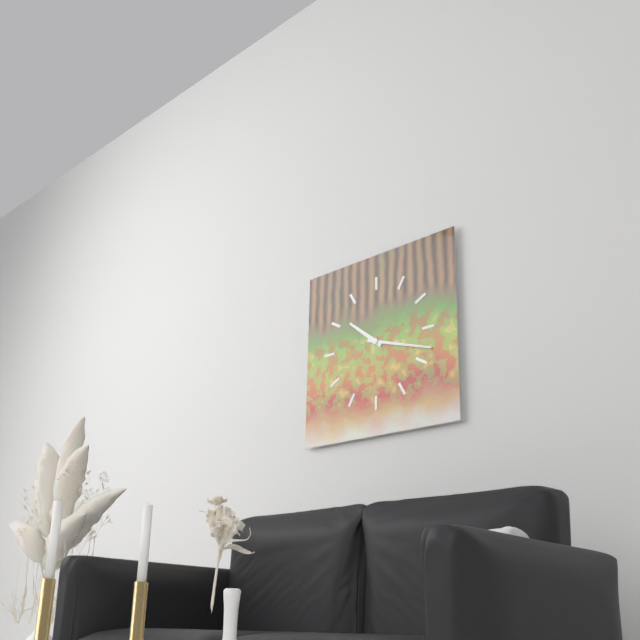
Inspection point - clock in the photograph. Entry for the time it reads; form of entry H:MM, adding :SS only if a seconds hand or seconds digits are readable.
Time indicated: 10:18
